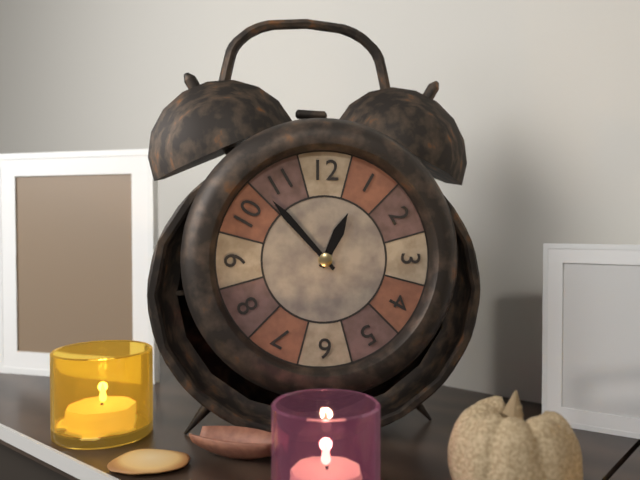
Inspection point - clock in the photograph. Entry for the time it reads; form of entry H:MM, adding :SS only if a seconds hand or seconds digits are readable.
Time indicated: 12:53
